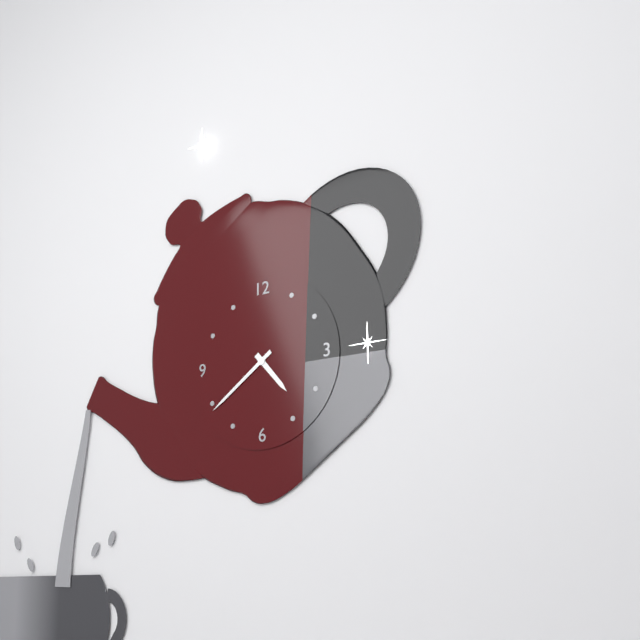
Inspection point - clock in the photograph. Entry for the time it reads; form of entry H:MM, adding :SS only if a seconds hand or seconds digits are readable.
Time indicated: 4:39
